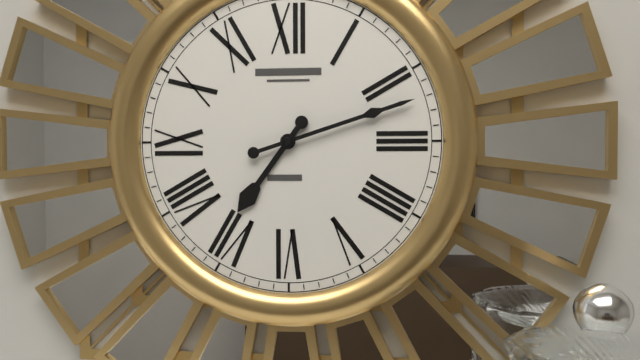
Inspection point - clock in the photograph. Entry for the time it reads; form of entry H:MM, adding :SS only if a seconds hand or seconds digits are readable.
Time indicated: 7:12
